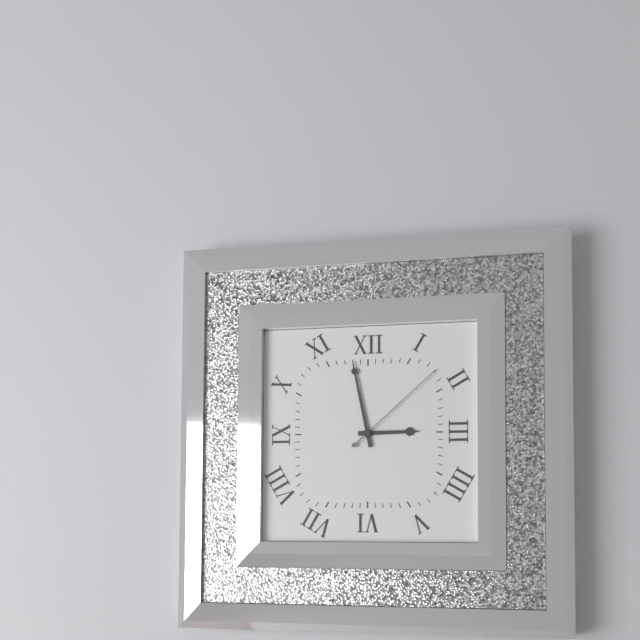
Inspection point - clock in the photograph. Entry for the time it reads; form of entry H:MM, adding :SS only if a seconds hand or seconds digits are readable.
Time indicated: 2:58:08
